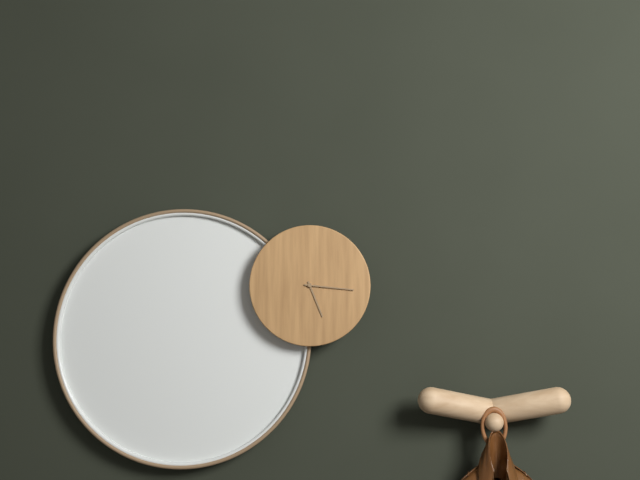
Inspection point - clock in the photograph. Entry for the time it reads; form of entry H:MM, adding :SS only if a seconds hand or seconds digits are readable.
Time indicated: 5:16
